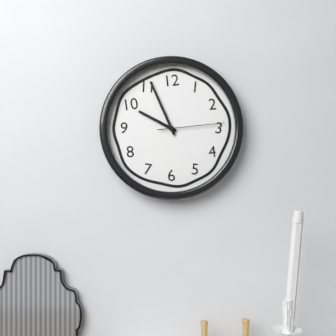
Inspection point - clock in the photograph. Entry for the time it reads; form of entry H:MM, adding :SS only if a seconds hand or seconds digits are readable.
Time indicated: 9:56:14
